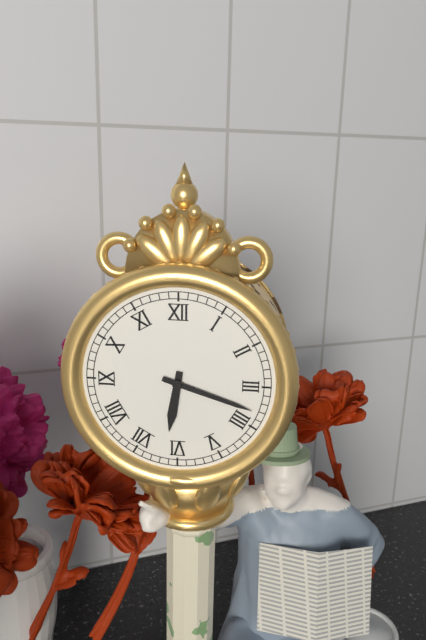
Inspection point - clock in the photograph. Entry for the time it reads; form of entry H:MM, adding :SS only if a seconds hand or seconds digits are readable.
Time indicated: 6:18
